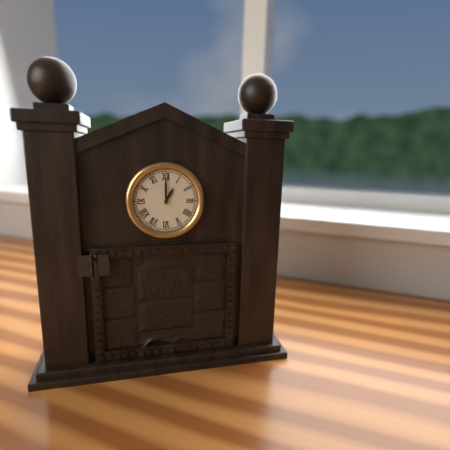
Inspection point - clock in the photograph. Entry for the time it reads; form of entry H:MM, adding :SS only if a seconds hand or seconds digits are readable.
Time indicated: 1:00
